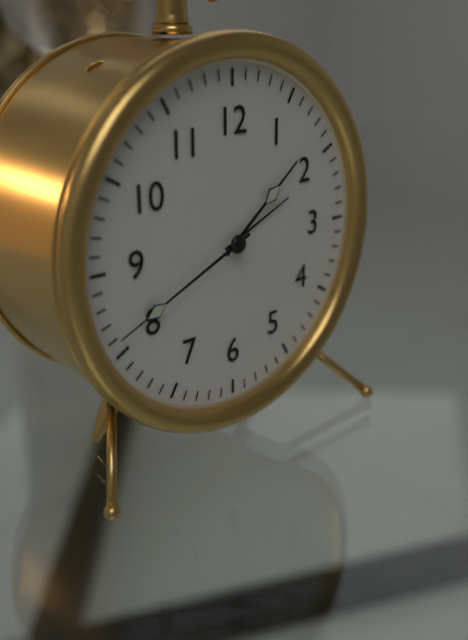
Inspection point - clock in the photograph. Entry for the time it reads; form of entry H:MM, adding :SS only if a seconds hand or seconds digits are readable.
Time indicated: 1:41
